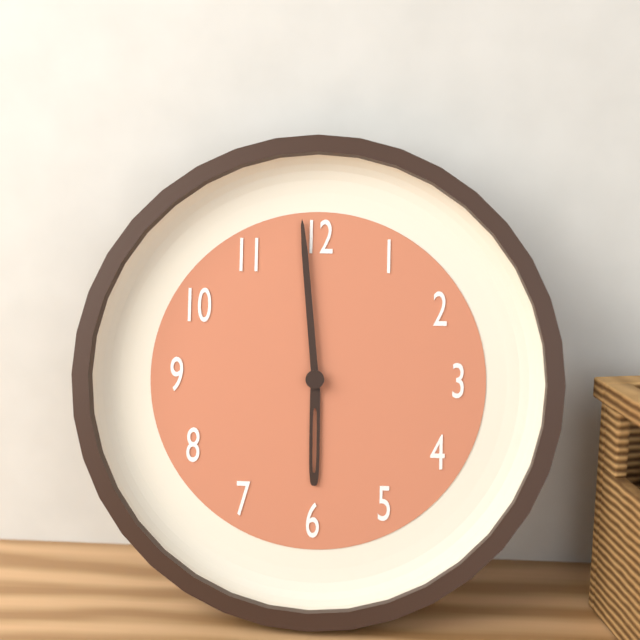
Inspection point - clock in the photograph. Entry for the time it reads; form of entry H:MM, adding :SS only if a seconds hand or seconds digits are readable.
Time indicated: 5:59
